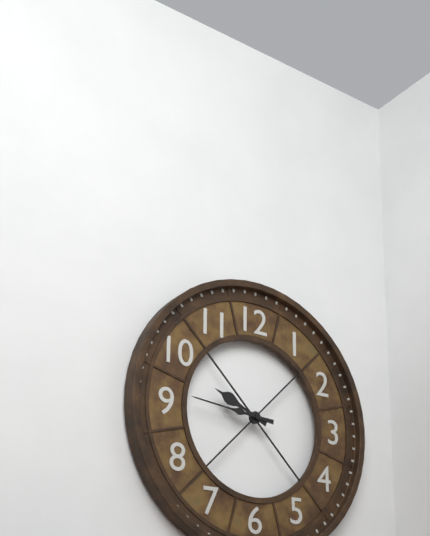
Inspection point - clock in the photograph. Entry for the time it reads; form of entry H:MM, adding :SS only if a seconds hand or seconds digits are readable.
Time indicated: 9:46
